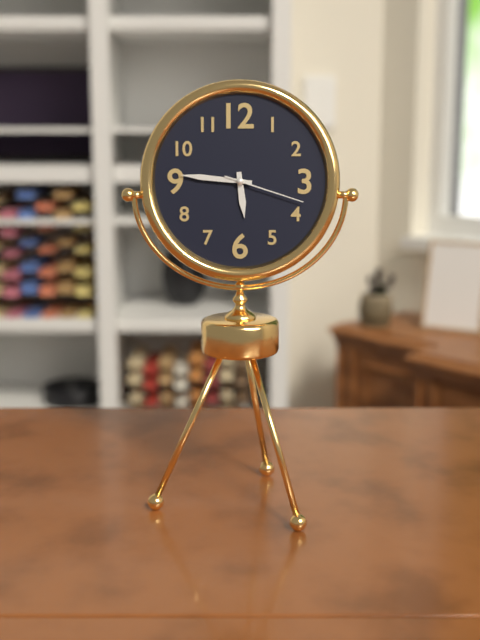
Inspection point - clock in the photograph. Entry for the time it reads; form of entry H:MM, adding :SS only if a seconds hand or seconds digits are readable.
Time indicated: 5:46:18
